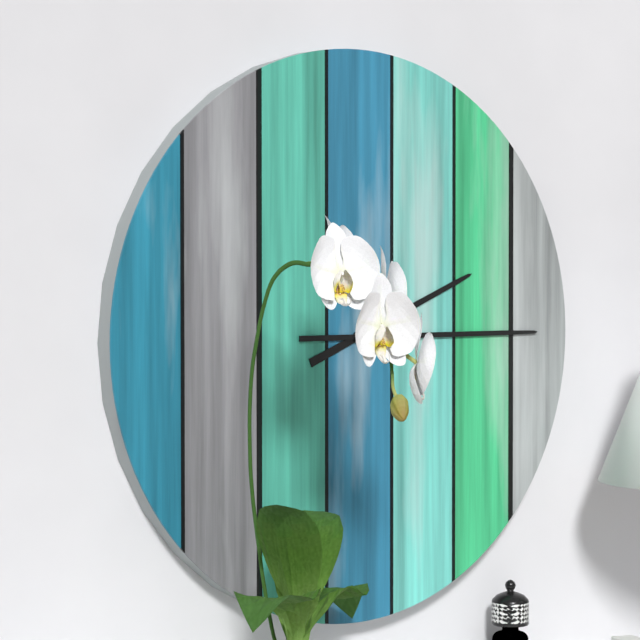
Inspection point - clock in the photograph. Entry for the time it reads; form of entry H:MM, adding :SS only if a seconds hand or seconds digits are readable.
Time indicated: 2:15
